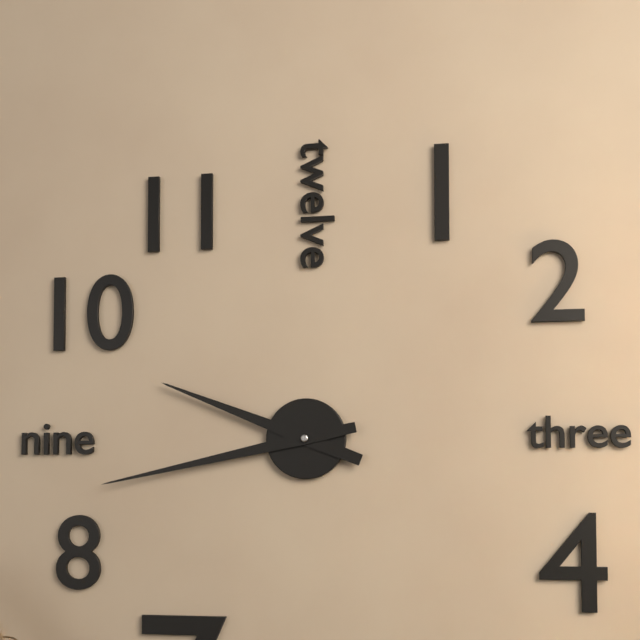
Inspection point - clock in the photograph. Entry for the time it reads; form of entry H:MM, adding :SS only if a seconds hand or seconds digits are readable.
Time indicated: 9:43
